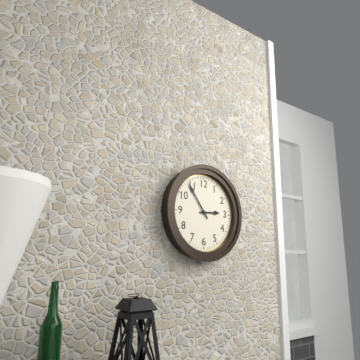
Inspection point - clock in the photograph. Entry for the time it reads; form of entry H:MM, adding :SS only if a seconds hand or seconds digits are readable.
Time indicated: 2:54
